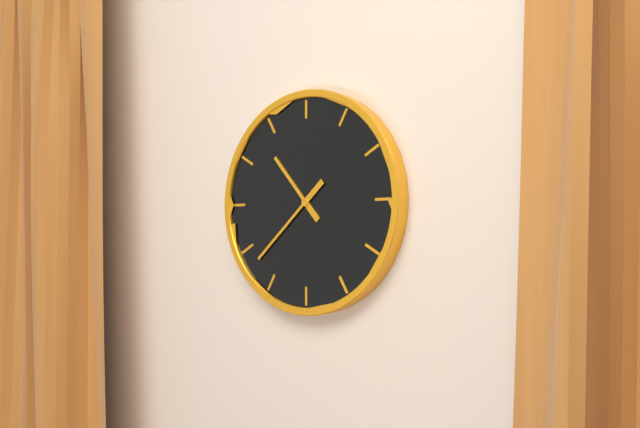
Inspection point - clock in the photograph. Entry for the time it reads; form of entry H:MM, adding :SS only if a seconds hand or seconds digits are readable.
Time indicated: 10:38
